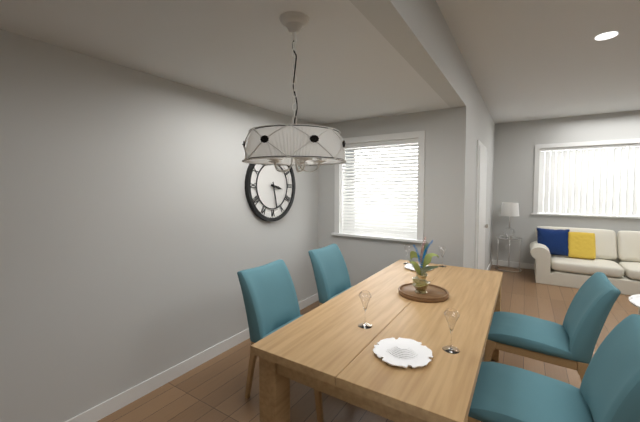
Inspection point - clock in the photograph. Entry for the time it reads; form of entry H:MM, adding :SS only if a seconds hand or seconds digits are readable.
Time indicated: 3:28
